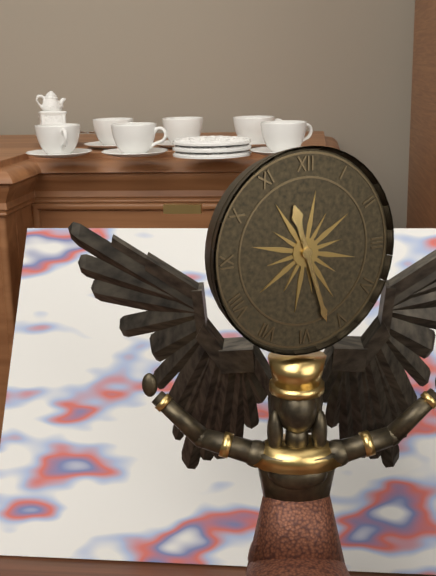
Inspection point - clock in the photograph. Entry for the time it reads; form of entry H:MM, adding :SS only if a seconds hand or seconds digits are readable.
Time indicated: 11:27
